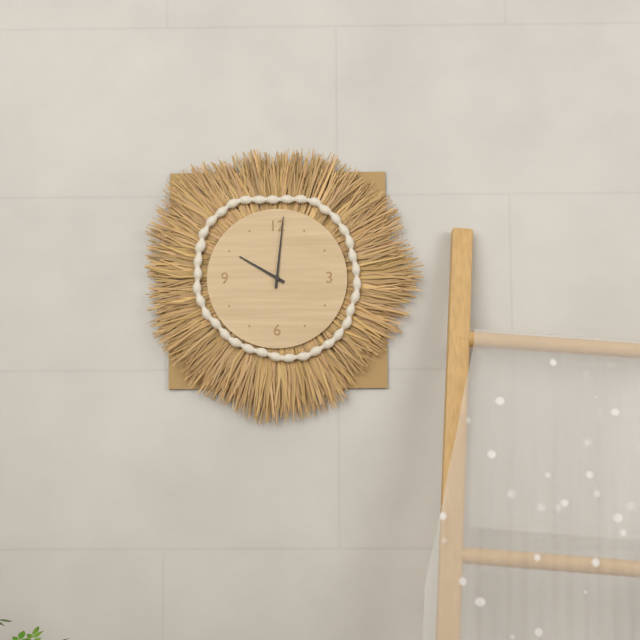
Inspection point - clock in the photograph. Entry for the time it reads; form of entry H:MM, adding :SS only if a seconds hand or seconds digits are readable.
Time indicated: 10:01
